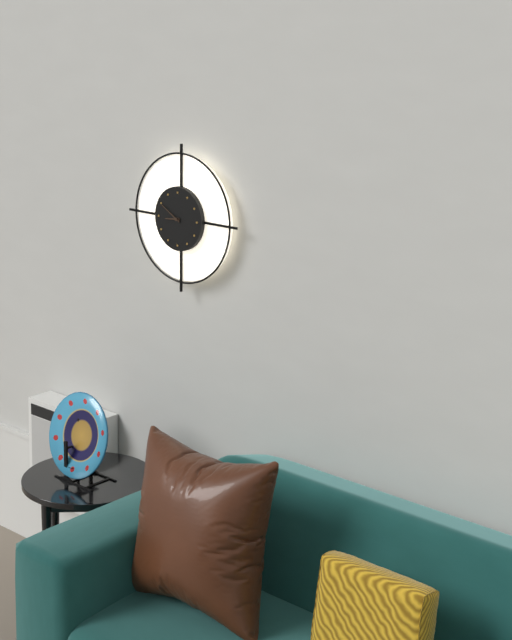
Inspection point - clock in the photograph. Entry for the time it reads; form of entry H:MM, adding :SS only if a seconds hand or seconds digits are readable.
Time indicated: 8:50
